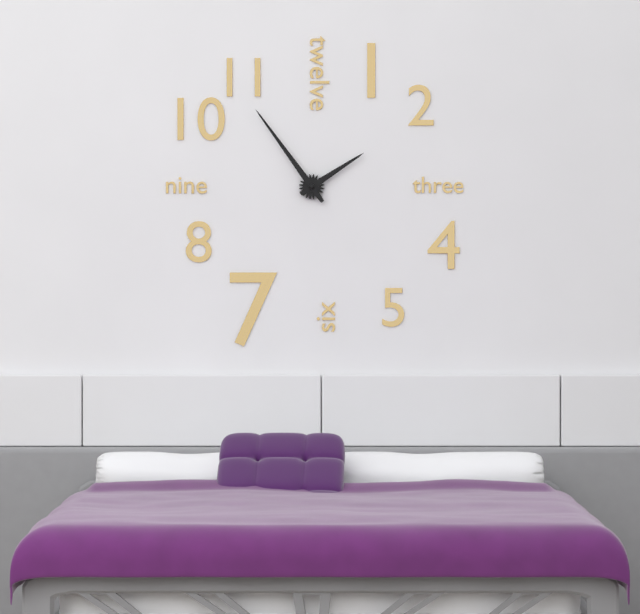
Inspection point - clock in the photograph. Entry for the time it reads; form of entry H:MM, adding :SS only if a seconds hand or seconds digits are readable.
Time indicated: 1:54
